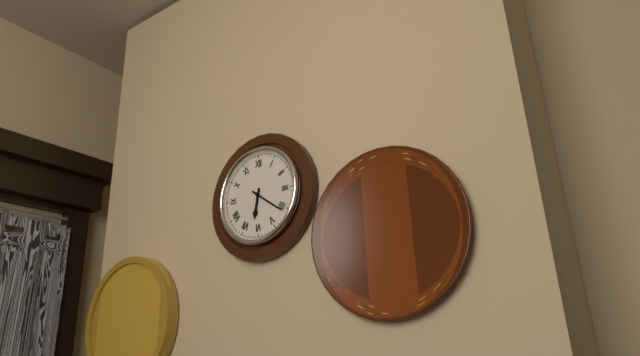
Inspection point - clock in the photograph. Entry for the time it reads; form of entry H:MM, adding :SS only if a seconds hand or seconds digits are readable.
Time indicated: 6:21
